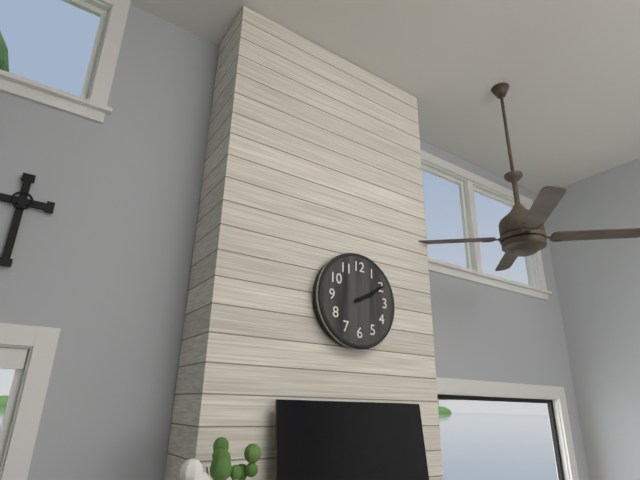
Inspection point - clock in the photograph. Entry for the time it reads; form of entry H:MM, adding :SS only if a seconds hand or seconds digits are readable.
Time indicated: 2:10
